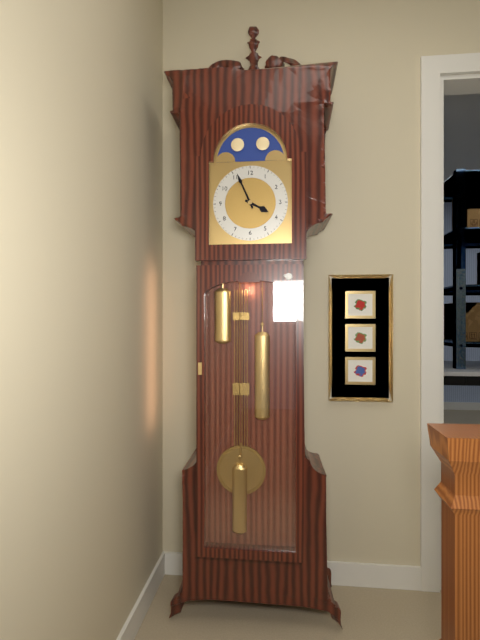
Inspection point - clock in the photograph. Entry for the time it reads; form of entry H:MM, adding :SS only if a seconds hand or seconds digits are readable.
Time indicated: 3:56
